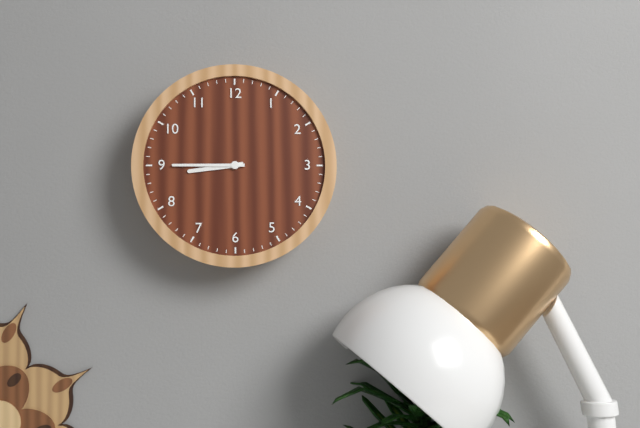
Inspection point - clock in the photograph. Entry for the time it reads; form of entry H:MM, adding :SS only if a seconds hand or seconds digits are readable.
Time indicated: 8:45
